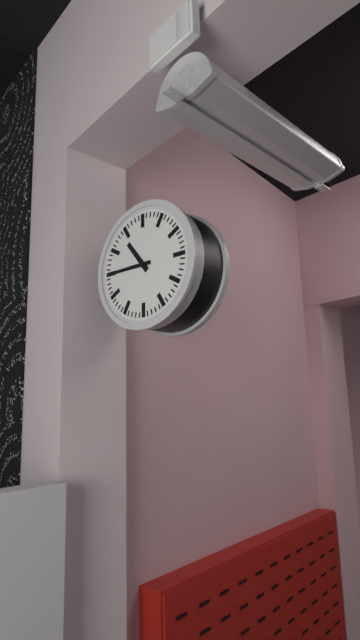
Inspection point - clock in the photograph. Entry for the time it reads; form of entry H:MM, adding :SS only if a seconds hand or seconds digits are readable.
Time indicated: 10:45
